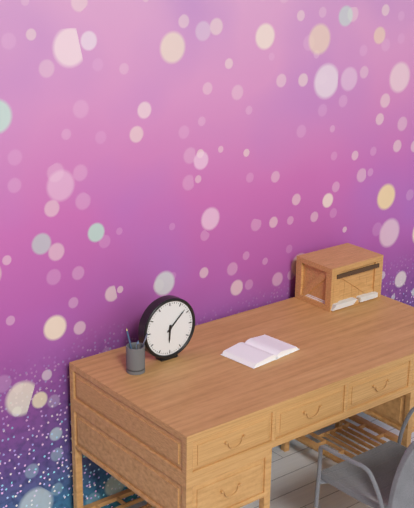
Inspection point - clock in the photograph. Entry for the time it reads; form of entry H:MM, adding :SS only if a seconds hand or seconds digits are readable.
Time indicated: 6:08
